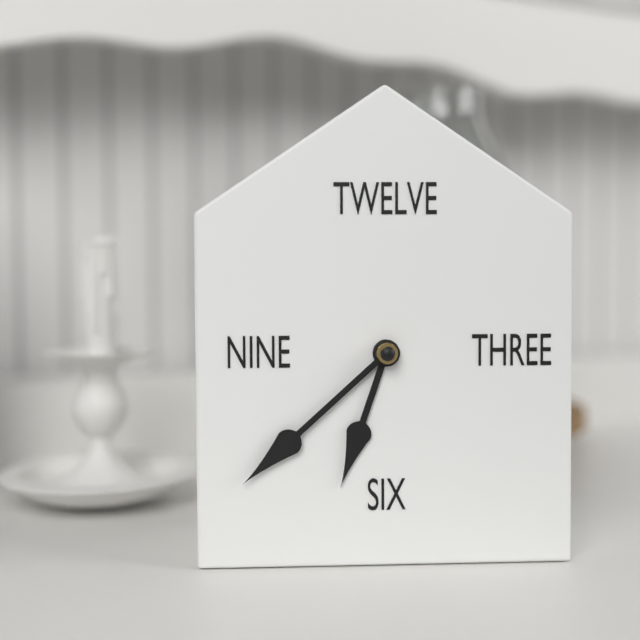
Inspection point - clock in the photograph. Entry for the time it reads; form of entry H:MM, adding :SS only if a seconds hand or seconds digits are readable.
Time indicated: 6:38
